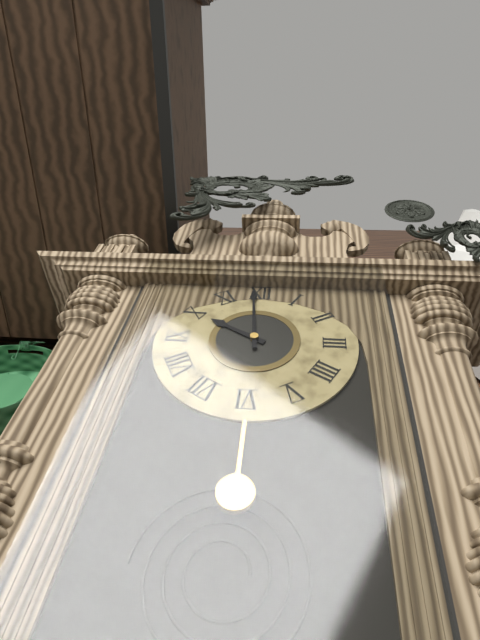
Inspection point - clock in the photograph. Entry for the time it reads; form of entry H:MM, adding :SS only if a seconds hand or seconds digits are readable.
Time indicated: 9:59
